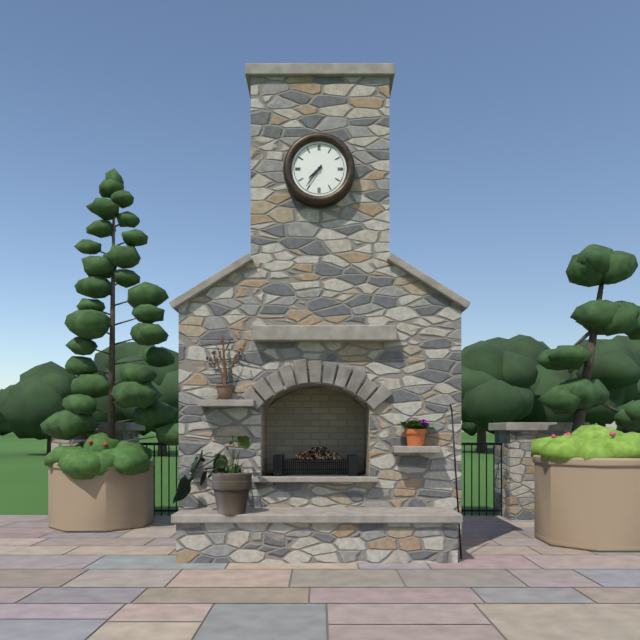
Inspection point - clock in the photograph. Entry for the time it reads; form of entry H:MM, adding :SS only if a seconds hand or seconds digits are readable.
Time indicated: 7:36
